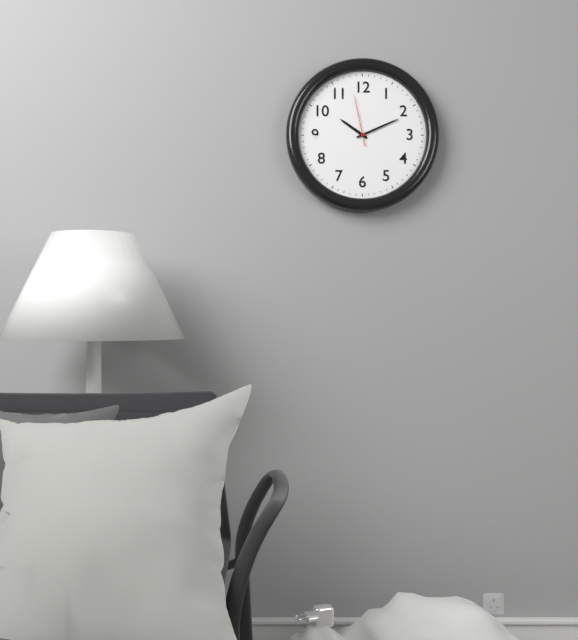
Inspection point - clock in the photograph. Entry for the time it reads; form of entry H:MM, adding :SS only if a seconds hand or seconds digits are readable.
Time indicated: 10:11:58
